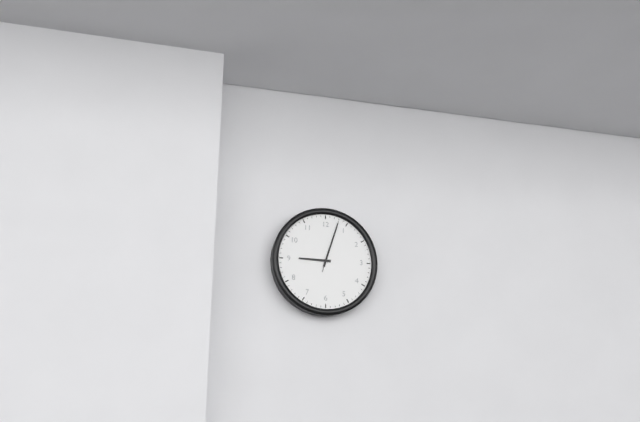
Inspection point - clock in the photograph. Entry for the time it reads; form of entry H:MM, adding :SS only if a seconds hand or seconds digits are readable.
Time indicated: 9:03:03
